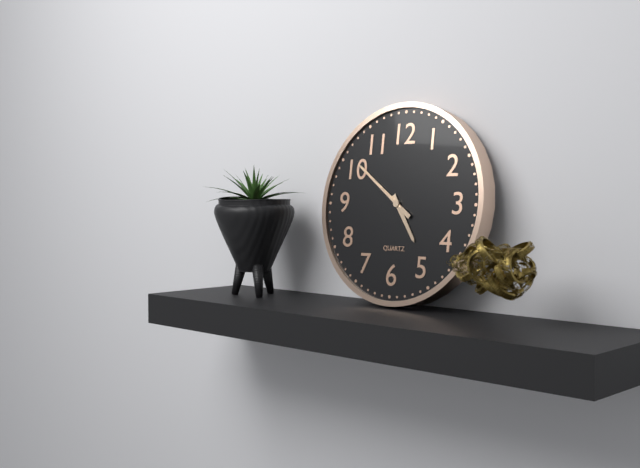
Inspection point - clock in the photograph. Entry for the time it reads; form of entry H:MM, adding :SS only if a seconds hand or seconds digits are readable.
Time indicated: 4:51:51
